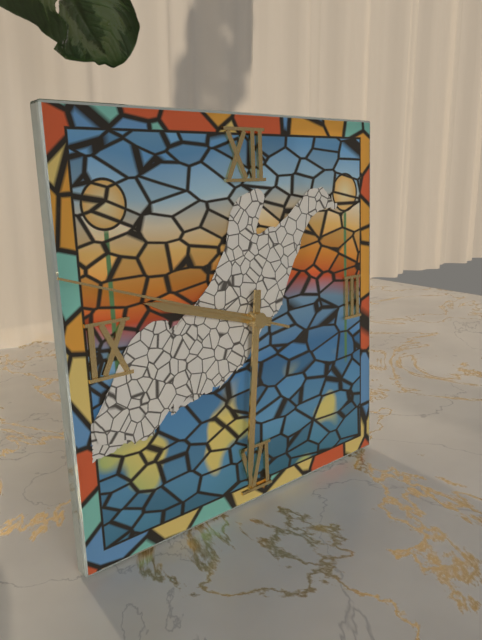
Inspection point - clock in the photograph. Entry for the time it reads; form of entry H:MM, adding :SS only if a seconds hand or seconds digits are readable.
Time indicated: 9:31:48
